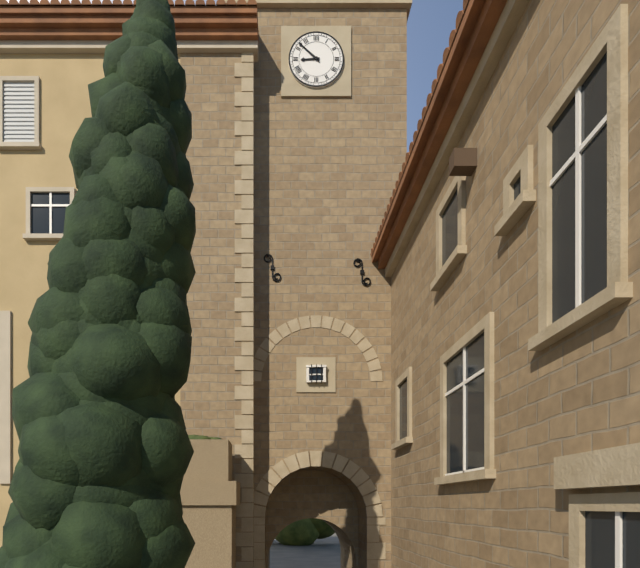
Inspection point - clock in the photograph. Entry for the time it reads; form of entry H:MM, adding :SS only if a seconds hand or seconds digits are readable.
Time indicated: 8:52
